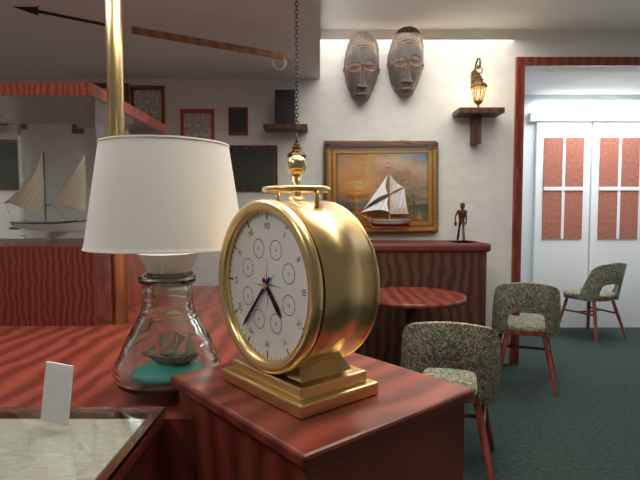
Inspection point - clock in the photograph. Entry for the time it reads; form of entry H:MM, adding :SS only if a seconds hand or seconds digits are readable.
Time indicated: 4:37
